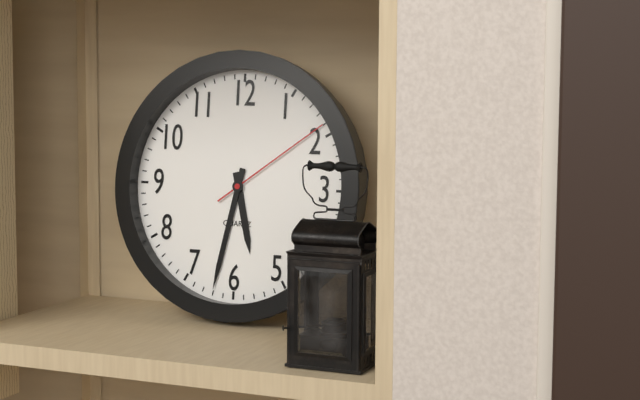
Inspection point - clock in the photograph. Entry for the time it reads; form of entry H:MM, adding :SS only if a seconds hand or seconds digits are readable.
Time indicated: 5:32:09
